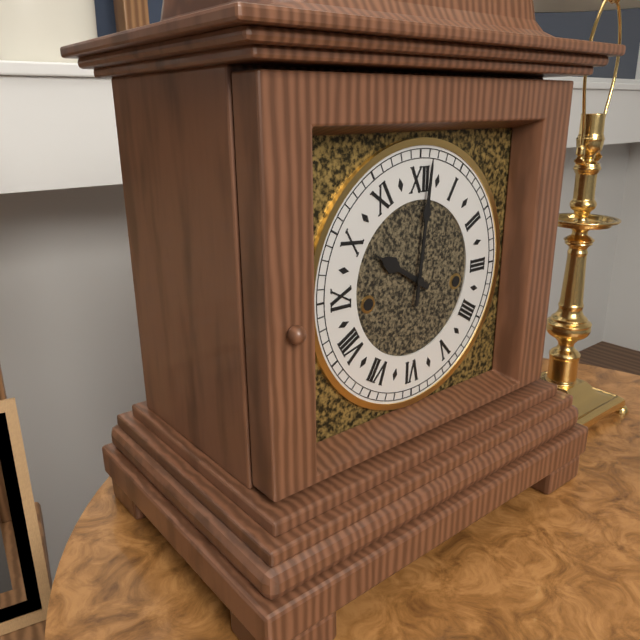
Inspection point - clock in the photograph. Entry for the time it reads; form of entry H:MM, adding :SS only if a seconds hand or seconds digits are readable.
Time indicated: 10:01
